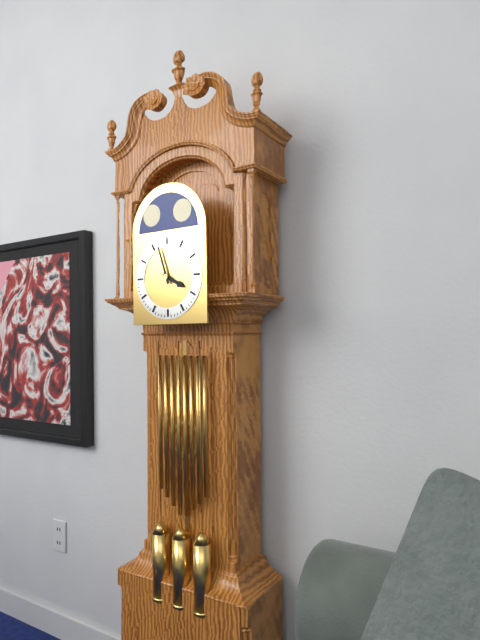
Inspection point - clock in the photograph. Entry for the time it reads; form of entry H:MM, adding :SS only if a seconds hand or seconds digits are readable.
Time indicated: 3:57
